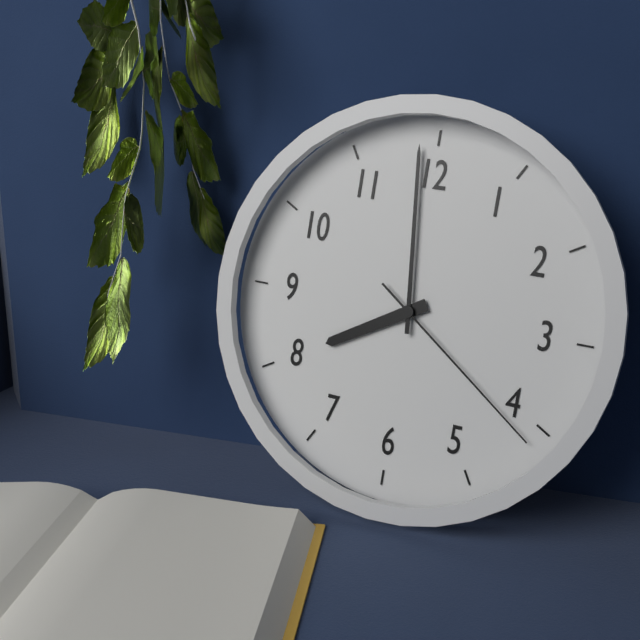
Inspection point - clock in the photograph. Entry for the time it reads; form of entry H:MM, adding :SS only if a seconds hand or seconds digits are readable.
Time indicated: 7:59:21
